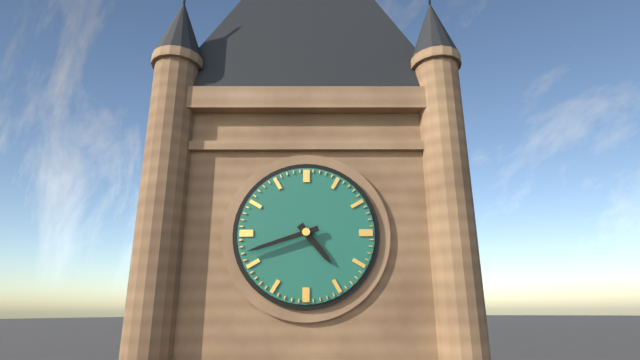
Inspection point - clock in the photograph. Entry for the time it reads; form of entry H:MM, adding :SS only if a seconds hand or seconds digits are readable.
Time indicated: 4:42
